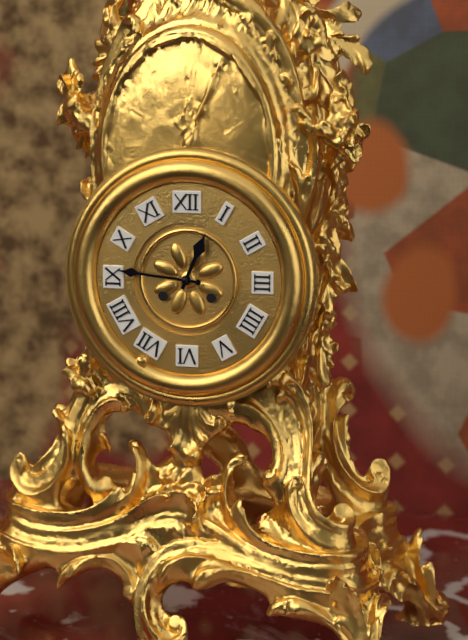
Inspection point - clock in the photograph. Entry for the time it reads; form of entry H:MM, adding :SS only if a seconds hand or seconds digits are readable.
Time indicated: 12:46
